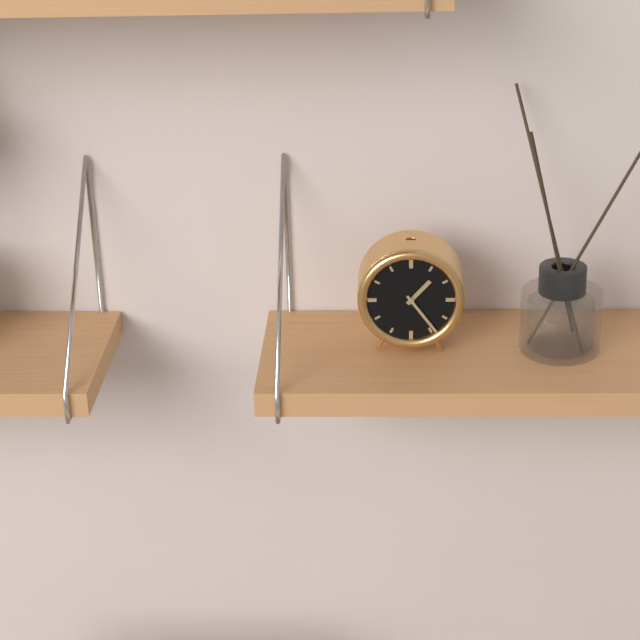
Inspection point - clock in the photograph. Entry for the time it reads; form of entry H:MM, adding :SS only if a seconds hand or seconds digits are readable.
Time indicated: 1:24
